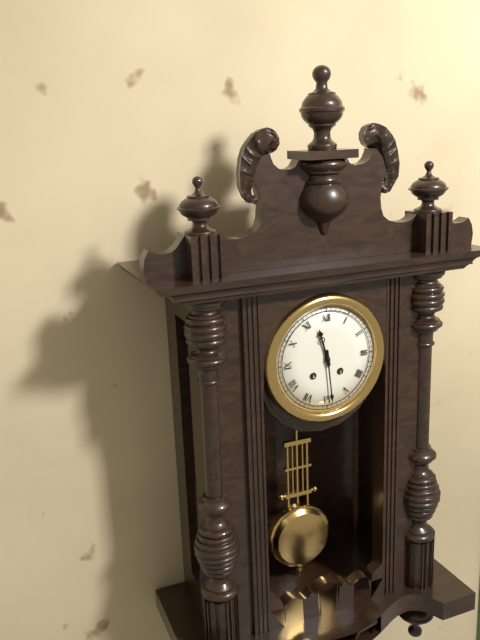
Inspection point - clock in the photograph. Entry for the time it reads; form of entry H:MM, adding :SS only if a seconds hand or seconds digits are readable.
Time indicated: 11:29
